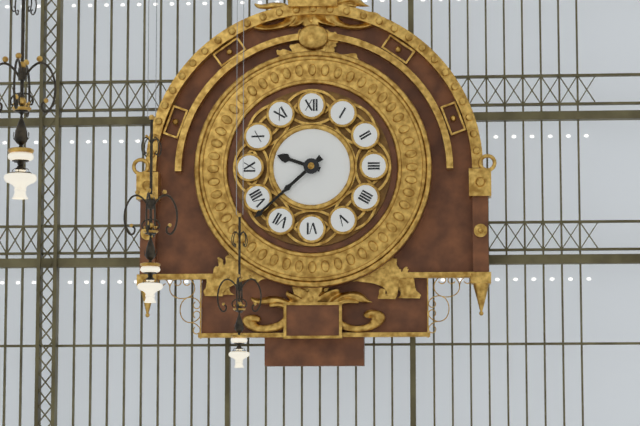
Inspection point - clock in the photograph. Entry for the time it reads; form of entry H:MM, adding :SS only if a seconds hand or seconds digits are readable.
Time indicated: 9:38
